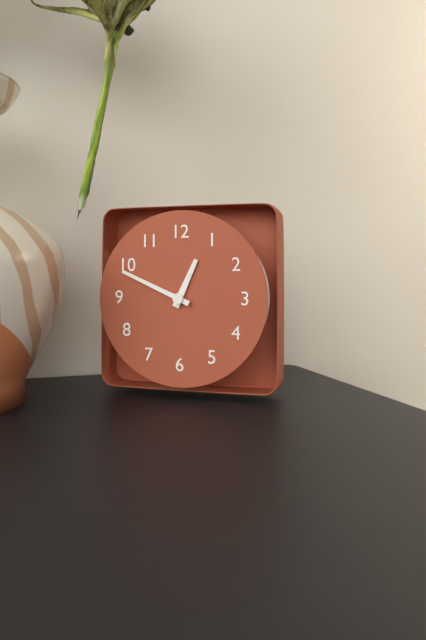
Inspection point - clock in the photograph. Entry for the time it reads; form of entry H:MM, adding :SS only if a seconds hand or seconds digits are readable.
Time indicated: 12:49
